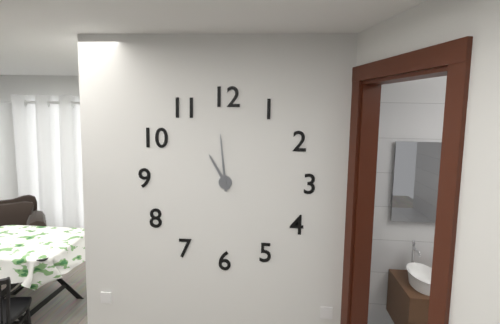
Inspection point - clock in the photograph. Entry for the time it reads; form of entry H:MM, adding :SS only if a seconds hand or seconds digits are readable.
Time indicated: 10:59
